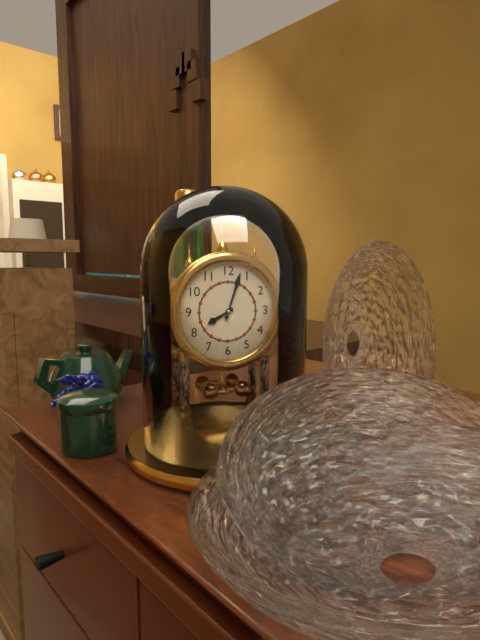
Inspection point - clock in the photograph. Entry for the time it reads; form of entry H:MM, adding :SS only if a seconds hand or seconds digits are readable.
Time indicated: 8:03
